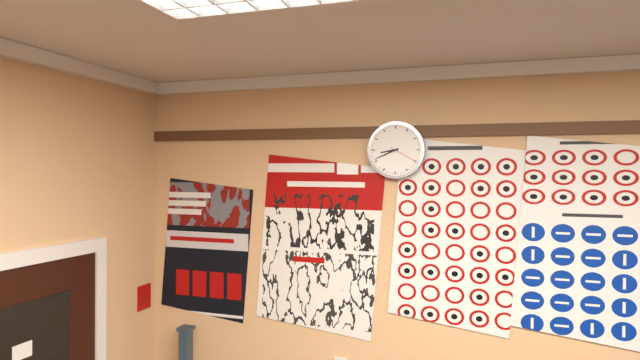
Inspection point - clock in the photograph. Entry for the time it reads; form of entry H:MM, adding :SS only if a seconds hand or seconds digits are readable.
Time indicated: 8:41
